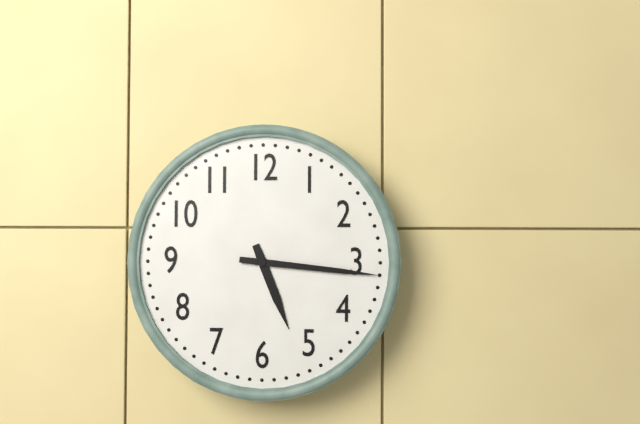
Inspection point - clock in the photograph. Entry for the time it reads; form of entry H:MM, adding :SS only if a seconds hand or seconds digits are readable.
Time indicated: 5:16
